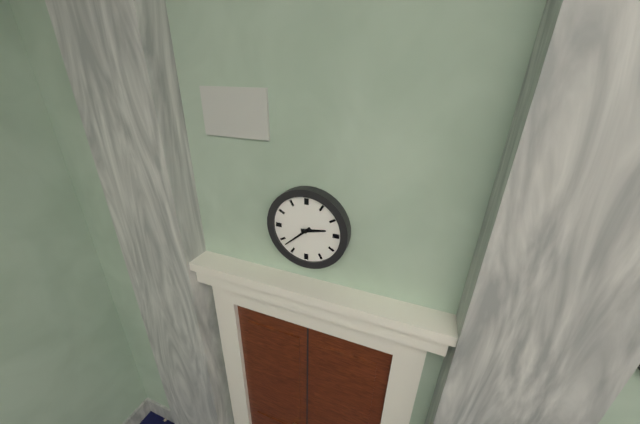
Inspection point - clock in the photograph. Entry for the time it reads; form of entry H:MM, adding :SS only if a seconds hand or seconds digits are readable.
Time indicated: 2:38
